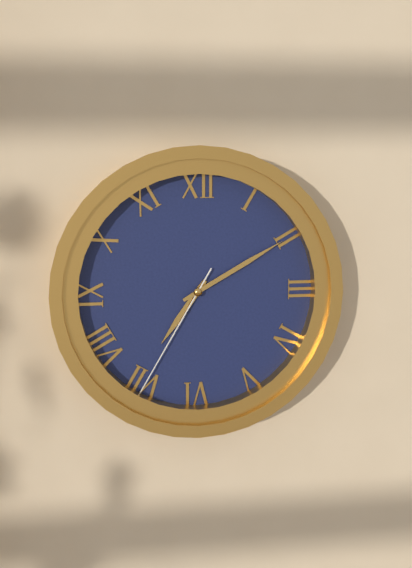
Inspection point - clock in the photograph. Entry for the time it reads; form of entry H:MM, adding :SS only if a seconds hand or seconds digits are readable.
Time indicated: 7:10:35
